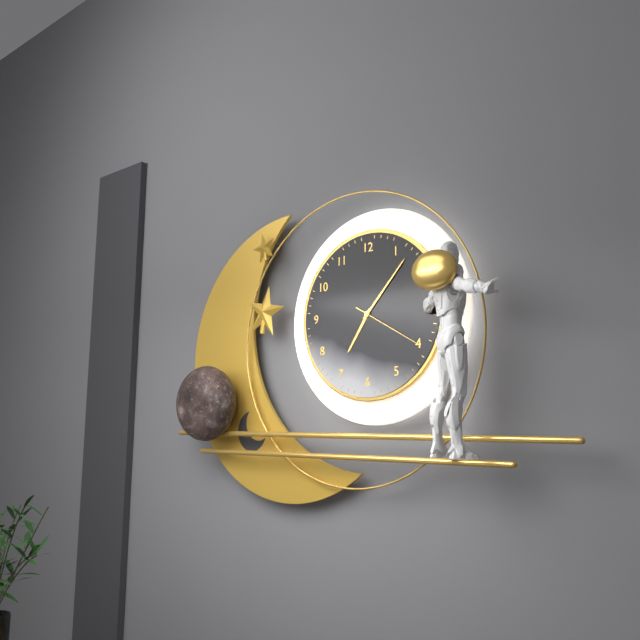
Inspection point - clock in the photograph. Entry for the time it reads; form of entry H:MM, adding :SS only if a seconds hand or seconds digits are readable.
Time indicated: 7:07:20
